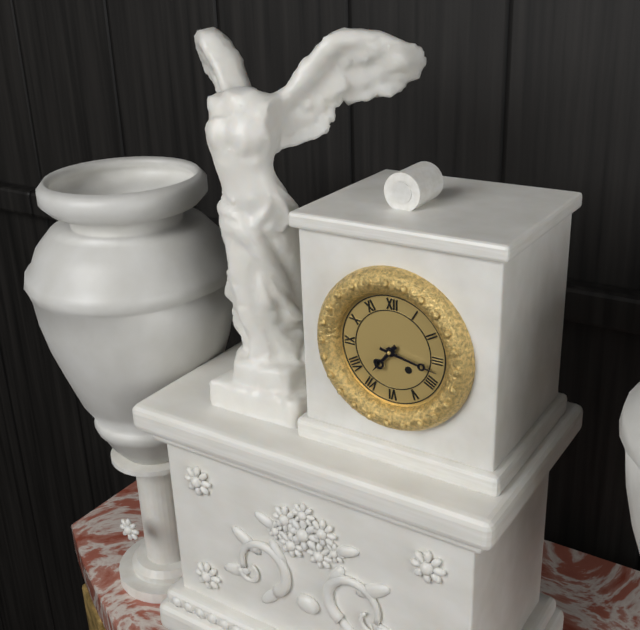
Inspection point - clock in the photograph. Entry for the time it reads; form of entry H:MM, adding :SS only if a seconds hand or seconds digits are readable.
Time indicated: 7:17
